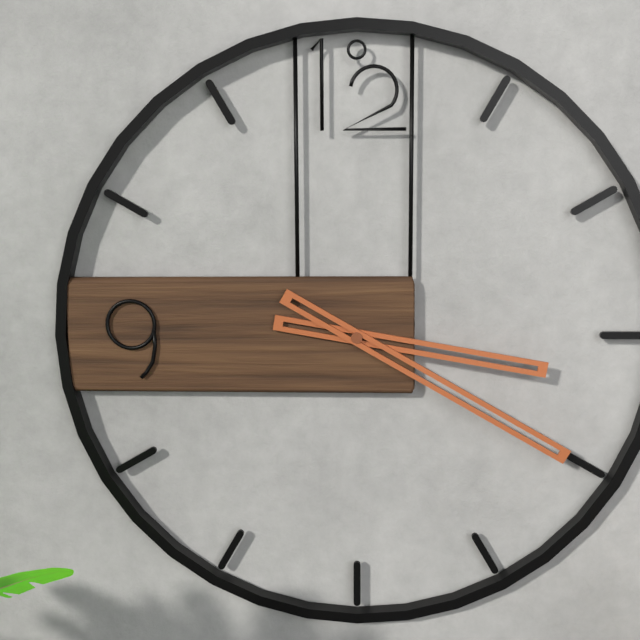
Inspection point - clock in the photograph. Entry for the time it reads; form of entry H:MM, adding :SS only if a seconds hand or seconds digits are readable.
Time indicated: 3:20
